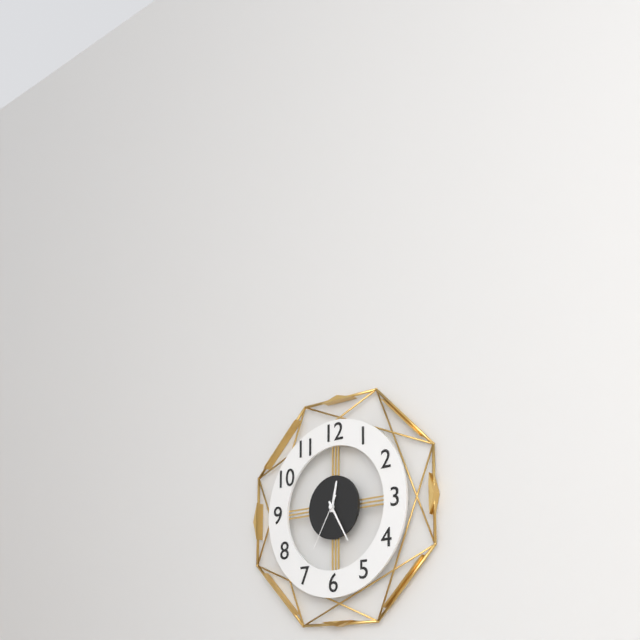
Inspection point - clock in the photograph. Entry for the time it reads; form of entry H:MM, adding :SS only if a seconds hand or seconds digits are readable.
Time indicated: 12:25:35
